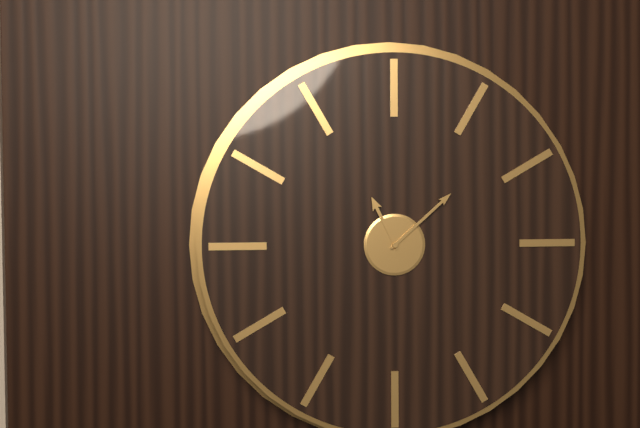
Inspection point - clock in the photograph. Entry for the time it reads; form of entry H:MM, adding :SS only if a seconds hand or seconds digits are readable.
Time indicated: 11:08
